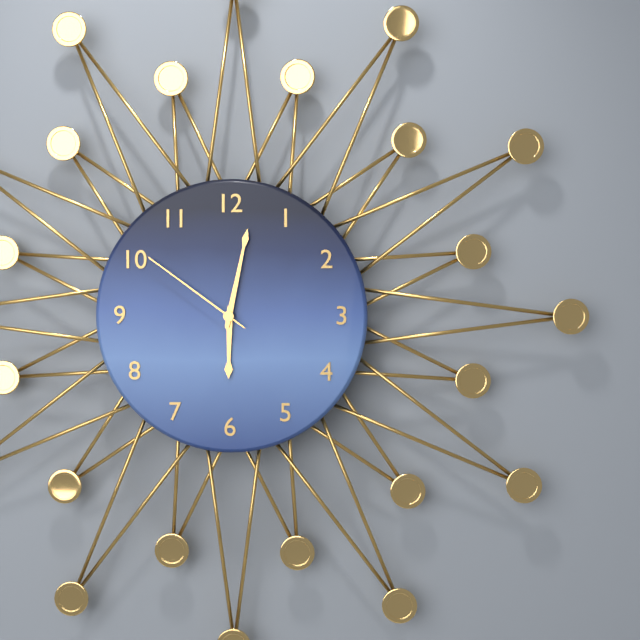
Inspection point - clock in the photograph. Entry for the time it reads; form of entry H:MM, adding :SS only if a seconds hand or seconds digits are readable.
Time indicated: 6:02:51
